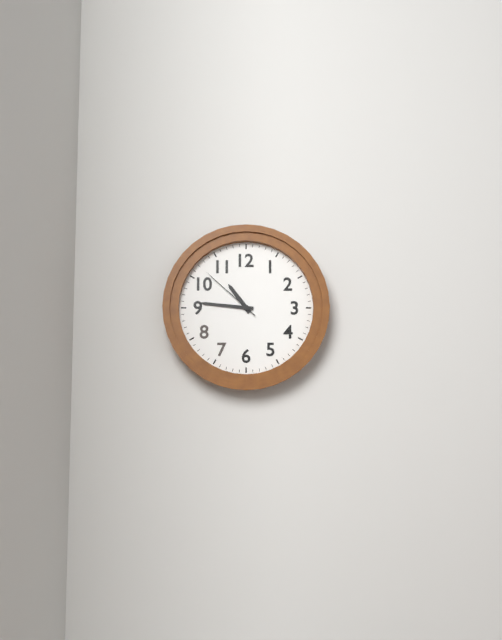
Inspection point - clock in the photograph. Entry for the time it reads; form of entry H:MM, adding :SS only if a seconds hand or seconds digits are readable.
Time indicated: 10:46:52
